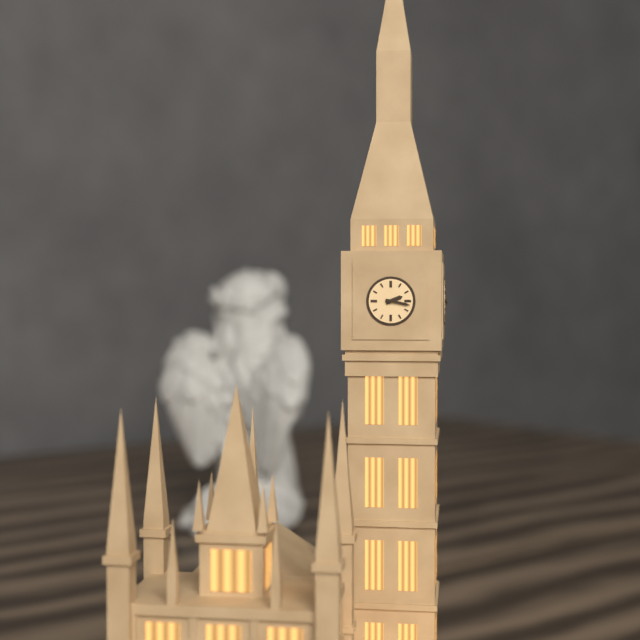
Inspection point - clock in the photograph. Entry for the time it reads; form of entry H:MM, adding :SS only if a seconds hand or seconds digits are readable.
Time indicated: 2:17
